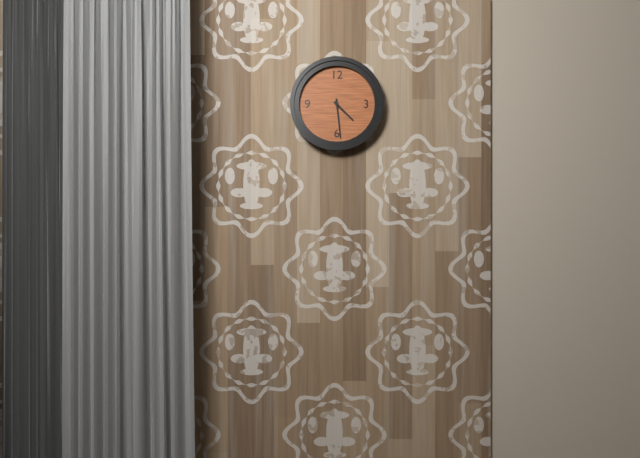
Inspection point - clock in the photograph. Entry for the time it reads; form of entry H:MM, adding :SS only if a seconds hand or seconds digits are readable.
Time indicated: 4:29
